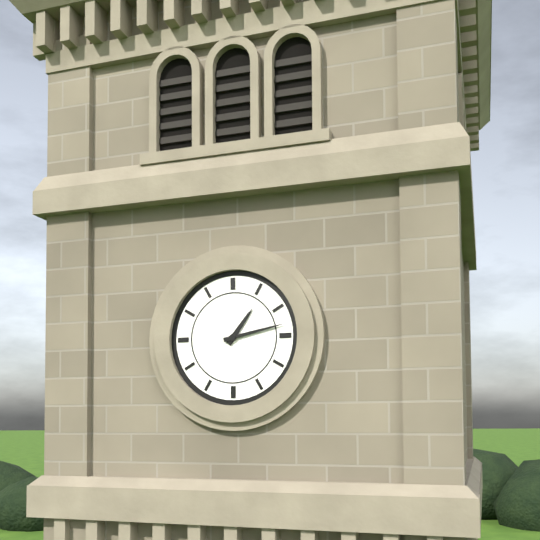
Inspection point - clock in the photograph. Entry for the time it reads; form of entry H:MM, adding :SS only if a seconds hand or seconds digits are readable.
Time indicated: 1:13
